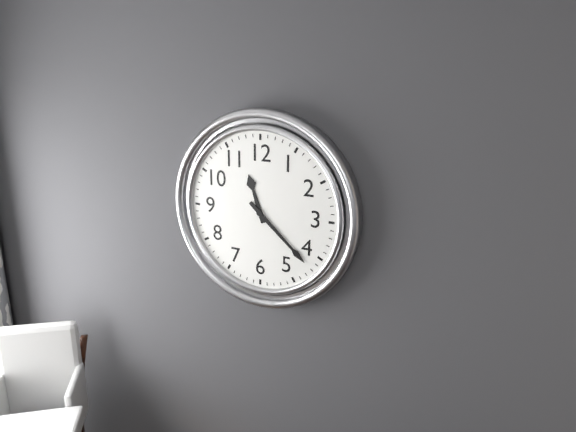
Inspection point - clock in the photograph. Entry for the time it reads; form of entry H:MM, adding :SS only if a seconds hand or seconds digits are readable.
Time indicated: 11:22
